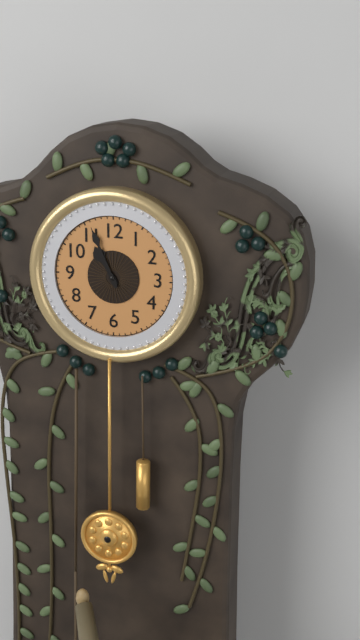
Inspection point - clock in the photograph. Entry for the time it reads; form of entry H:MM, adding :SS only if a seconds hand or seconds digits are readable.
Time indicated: 10:56
